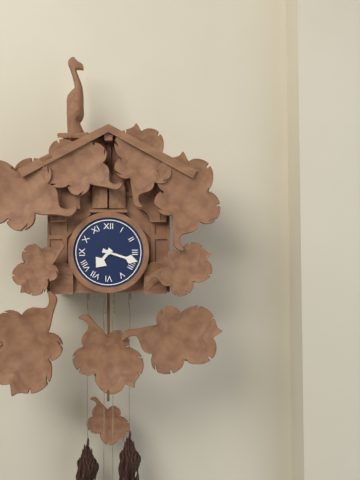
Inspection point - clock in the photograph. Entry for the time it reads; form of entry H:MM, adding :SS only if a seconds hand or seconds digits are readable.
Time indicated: 7:18
